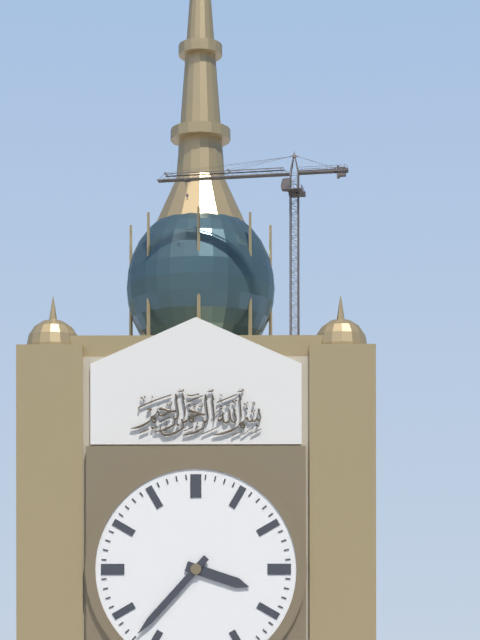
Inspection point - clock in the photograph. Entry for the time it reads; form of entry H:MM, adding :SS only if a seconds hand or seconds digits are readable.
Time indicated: 3:37
